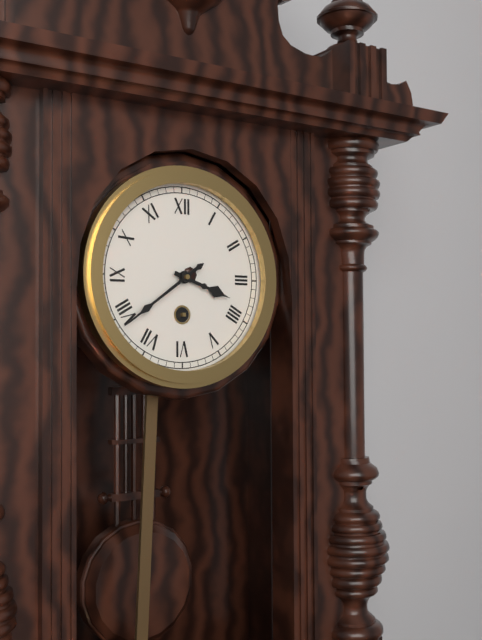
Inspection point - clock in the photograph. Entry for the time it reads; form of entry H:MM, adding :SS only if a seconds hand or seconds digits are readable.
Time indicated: 3:39
